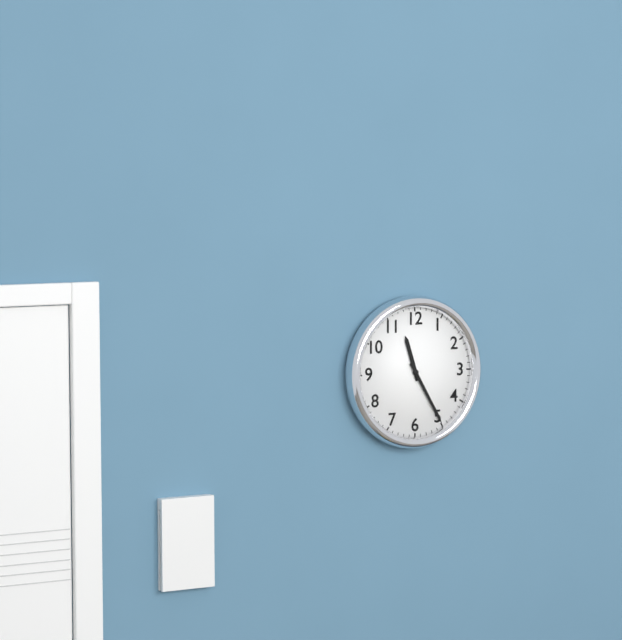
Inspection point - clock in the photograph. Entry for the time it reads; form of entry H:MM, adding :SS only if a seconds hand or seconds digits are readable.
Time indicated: 11:25
